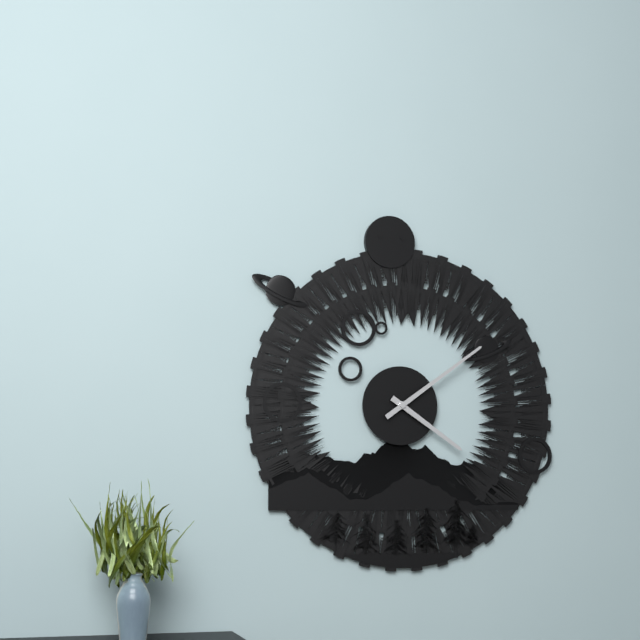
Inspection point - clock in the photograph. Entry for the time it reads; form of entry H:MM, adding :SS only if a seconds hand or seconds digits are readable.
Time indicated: 4:09
